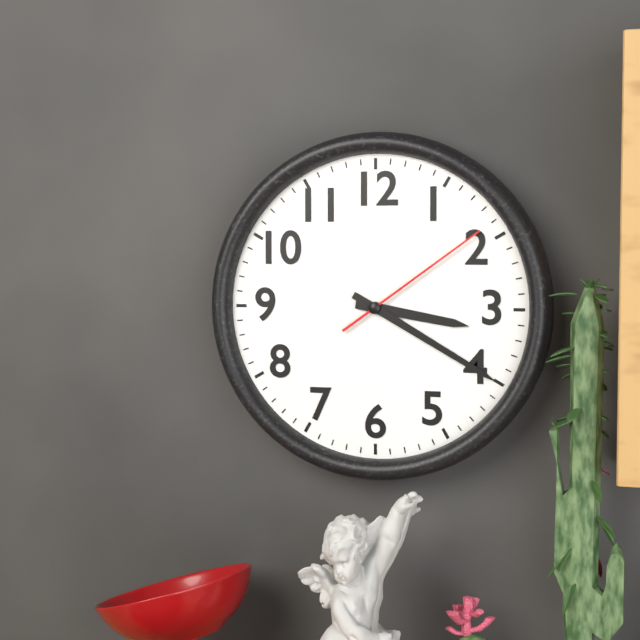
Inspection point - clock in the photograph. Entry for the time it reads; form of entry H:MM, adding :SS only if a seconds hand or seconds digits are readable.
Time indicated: 3:20:09
